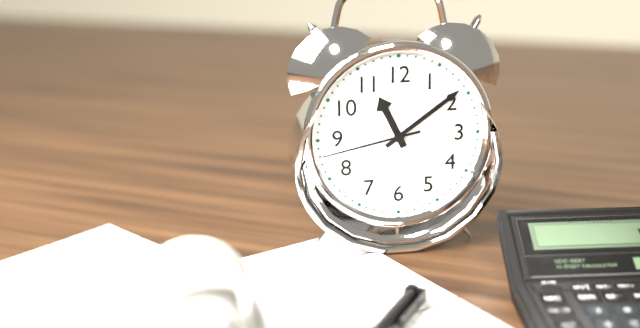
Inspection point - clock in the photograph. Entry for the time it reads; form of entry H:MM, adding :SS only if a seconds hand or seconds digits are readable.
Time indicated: 11:09:43
